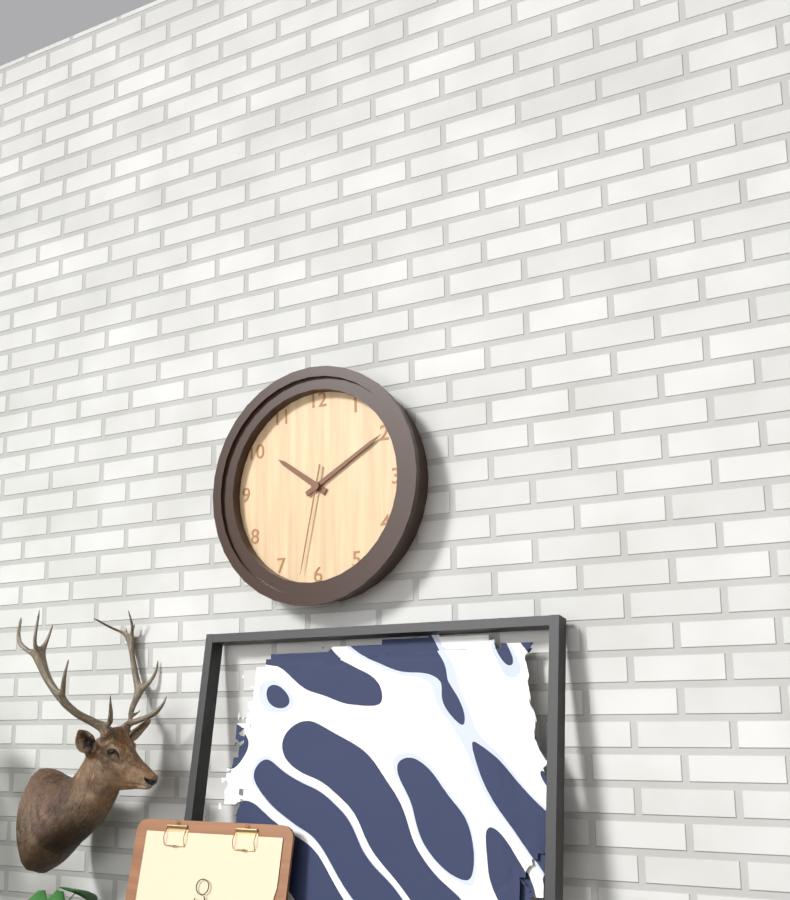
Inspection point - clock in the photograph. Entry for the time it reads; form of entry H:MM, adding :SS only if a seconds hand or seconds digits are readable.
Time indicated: 10:10:32
